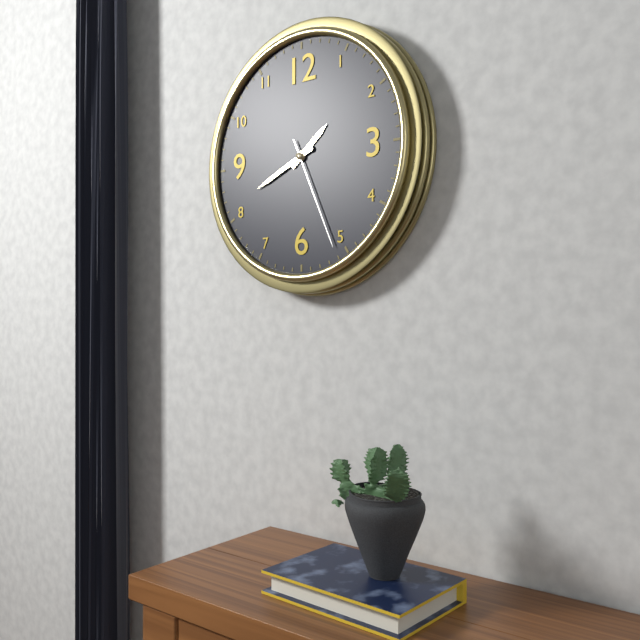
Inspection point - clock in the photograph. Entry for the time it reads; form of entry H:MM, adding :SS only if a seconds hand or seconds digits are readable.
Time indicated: 1:41:26
